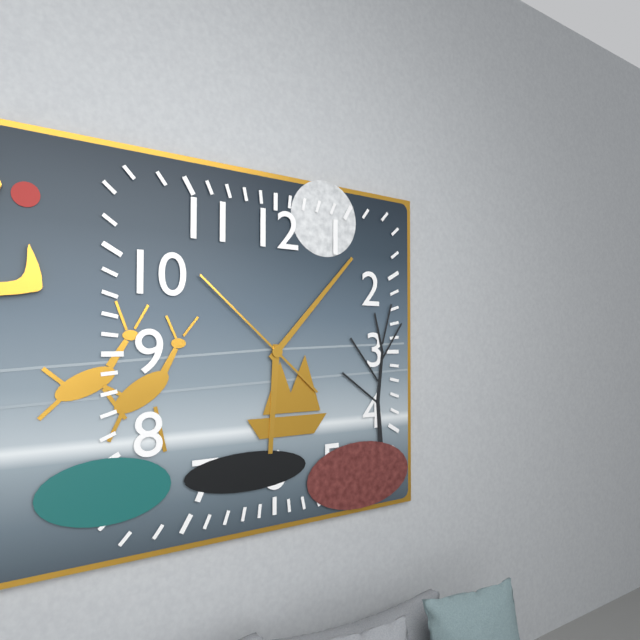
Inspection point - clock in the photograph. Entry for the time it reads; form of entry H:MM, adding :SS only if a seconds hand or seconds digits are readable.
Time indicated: 6:07:52
